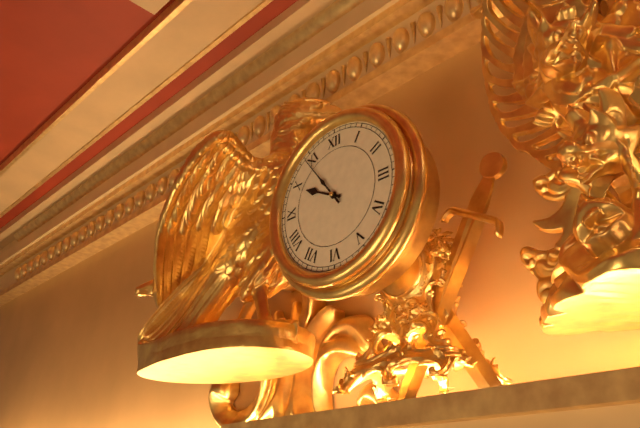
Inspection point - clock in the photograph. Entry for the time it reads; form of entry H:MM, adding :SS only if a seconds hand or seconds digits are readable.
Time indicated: 9:54
